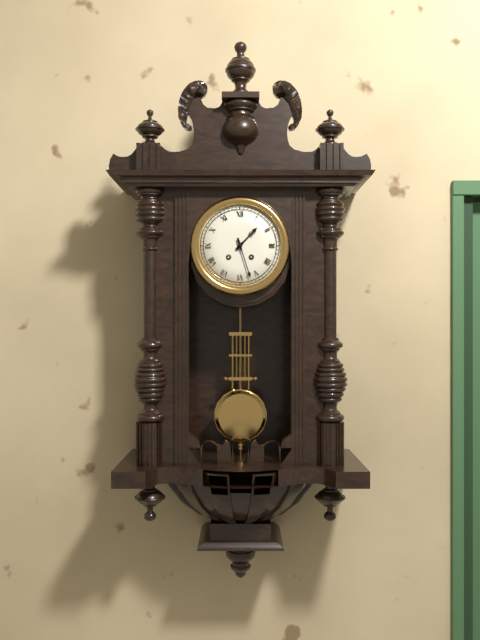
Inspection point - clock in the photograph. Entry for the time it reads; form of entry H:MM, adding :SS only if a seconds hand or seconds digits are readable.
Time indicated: 1:27
